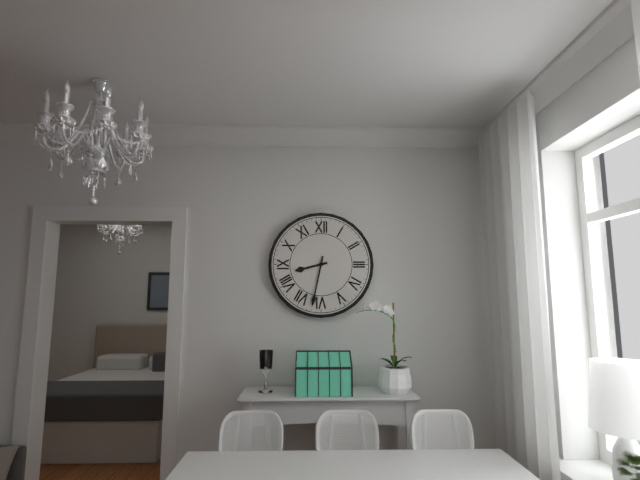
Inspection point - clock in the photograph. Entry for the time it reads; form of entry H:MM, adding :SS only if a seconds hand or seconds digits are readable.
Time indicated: 8:32
